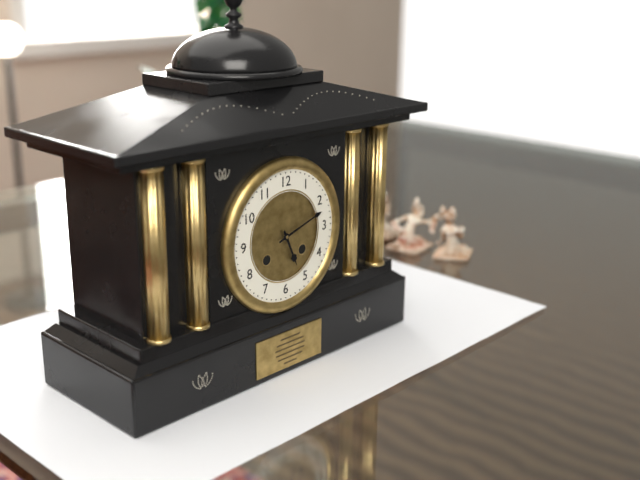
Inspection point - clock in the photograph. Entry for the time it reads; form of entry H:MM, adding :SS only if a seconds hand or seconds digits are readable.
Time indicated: 5:12
